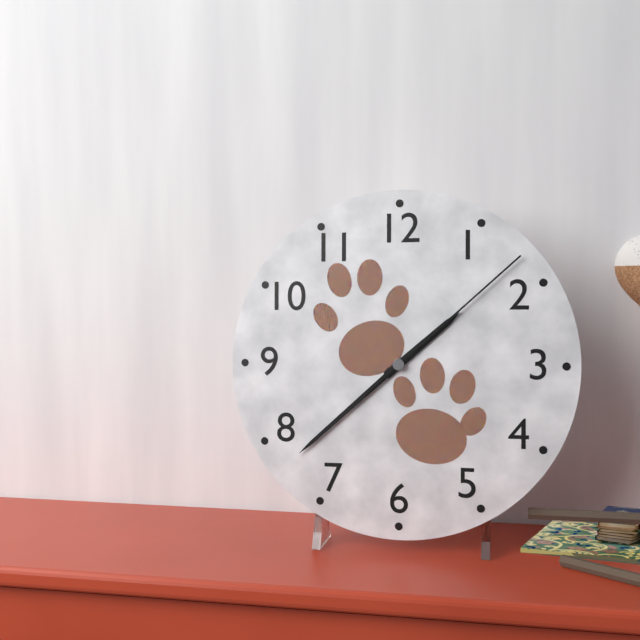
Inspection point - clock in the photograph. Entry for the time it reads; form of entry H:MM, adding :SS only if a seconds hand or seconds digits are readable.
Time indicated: 1:38:08
